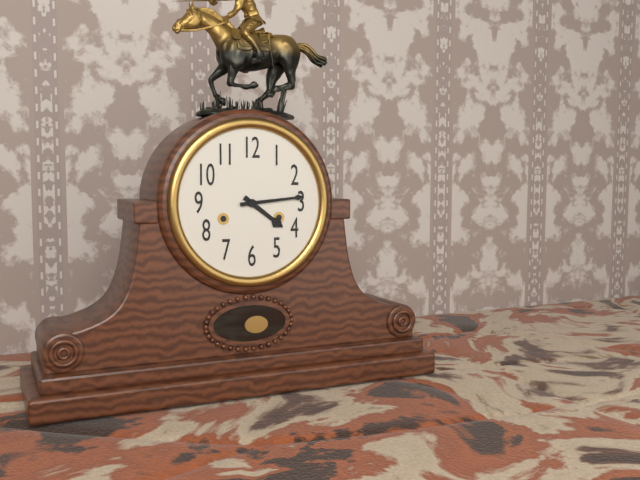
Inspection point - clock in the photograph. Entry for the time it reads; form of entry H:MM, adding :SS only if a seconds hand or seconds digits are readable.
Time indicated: 4:14
